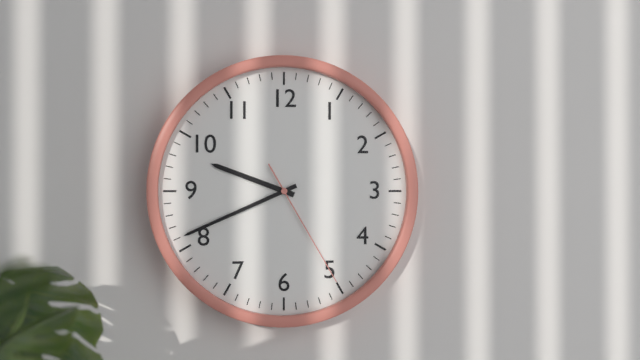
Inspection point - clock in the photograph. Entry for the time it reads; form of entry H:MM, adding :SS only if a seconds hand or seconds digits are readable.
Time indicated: 9:41:25
